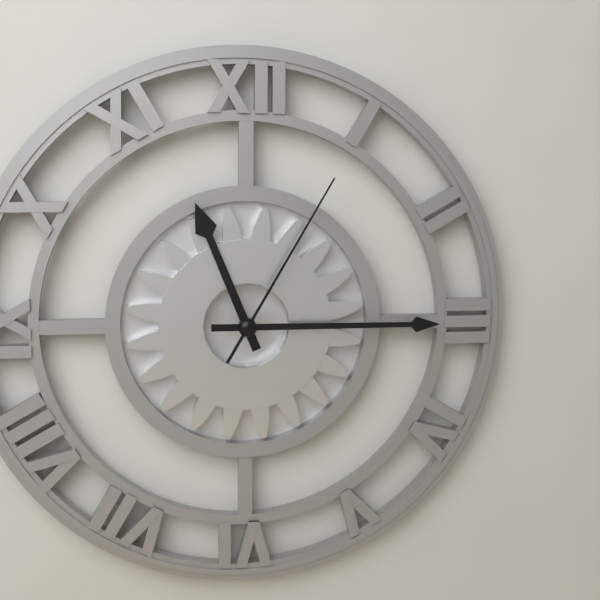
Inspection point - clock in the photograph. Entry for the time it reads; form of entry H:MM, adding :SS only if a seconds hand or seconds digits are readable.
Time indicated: 11:15:05
